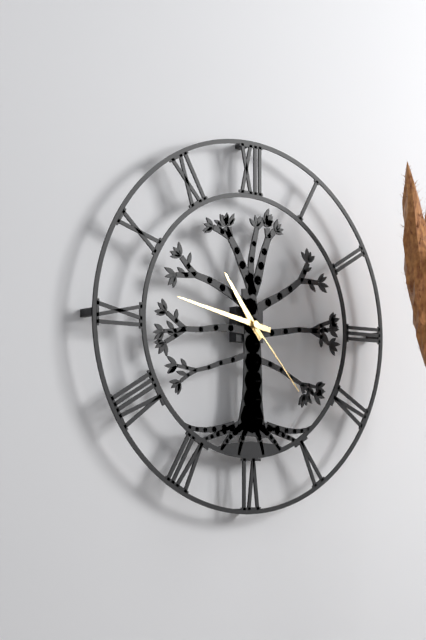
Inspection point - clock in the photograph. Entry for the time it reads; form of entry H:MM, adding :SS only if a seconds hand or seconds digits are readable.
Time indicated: 10:47:23
